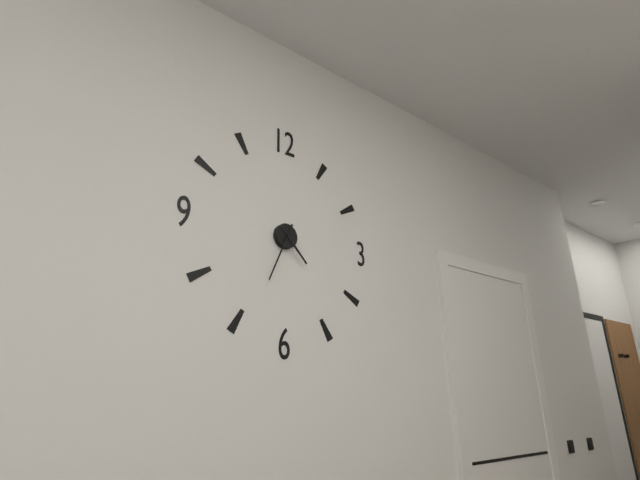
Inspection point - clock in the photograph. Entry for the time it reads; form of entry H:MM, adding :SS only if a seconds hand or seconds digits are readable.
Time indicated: 4:34
